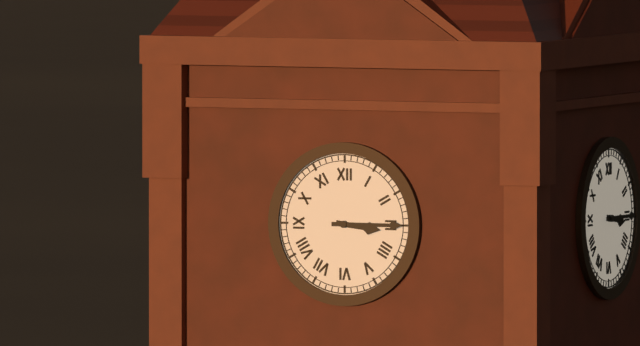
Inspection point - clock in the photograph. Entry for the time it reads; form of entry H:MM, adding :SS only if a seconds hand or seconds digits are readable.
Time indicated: 3:15
